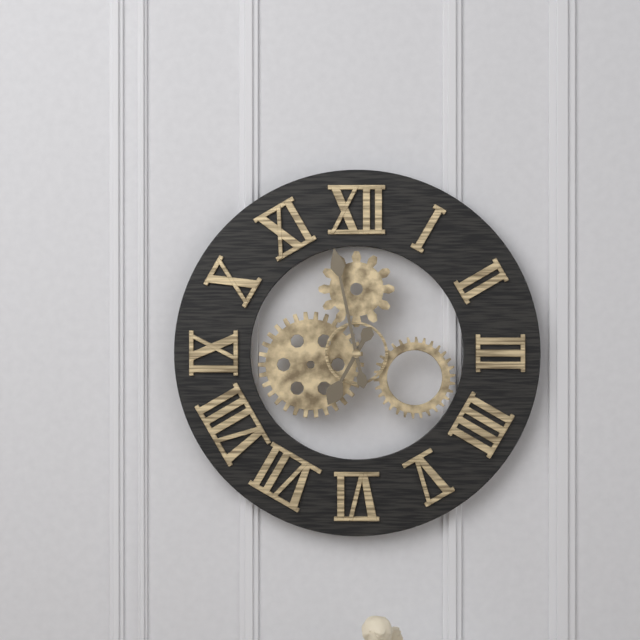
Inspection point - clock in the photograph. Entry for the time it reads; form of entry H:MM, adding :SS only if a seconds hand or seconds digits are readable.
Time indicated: 6:58
